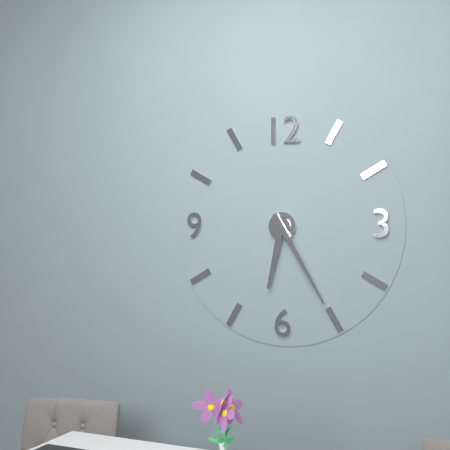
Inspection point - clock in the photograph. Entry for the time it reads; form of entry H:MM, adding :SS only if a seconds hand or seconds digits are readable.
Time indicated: 6:25
